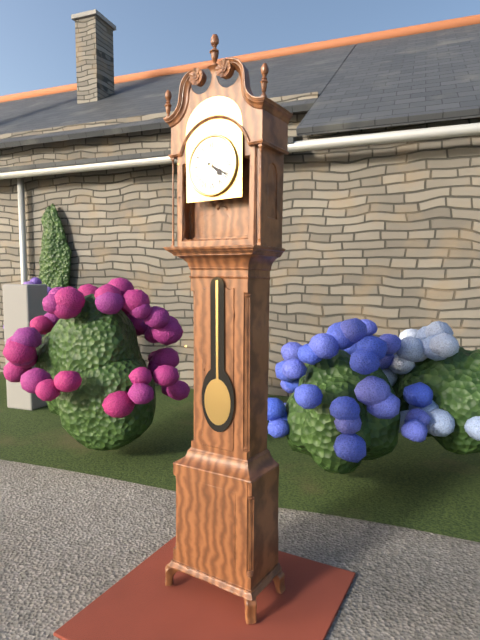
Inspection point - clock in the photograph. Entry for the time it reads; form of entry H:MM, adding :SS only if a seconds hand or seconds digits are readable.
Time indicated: 4:20
